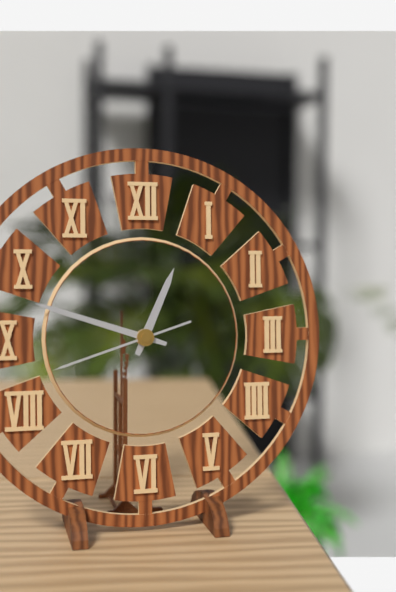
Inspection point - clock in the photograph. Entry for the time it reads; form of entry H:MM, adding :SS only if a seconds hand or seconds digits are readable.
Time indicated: 12:48:42
